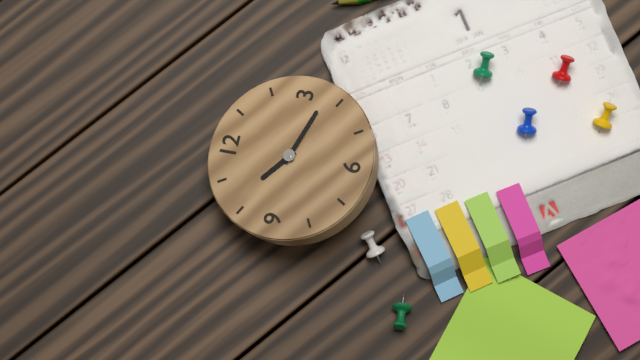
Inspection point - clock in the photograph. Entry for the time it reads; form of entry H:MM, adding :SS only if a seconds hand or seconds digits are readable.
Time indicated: 10:18
